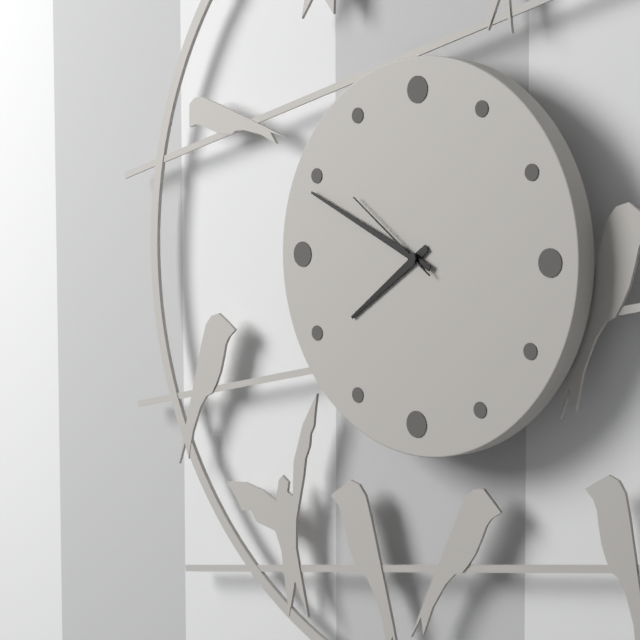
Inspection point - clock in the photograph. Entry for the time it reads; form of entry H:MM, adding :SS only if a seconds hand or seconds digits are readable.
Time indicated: 7:49:51
